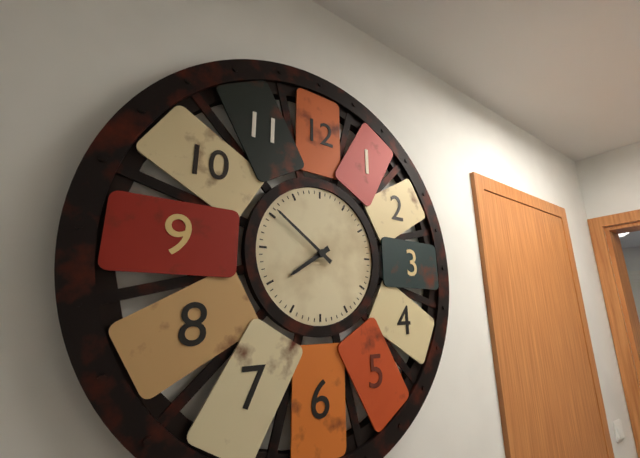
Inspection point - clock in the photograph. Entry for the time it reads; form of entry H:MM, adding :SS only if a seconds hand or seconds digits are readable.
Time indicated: 7:51
